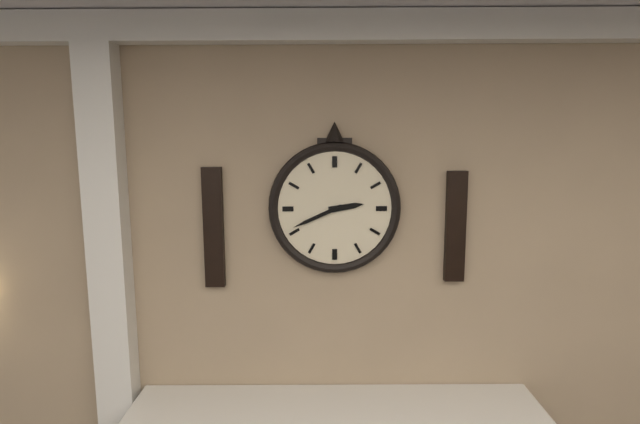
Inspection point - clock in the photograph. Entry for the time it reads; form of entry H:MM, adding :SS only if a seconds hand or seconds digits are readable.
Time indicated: 2:41
